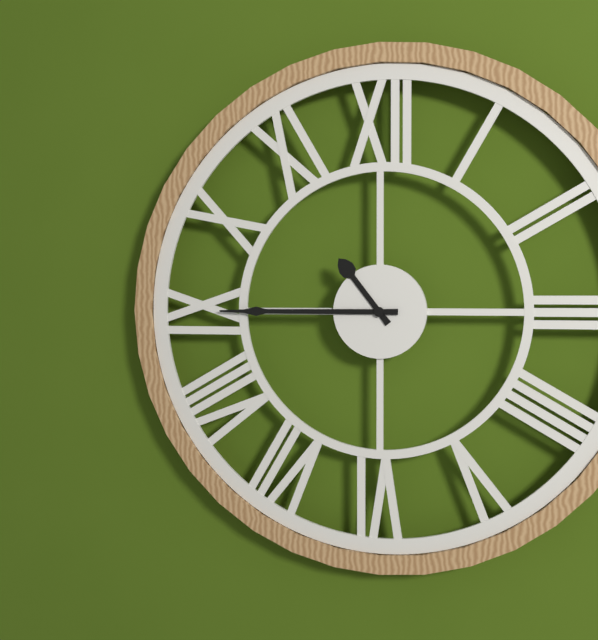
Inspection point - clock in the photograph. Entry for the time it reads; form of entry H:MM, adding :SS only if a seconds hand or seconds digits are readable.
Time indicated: 10:45
